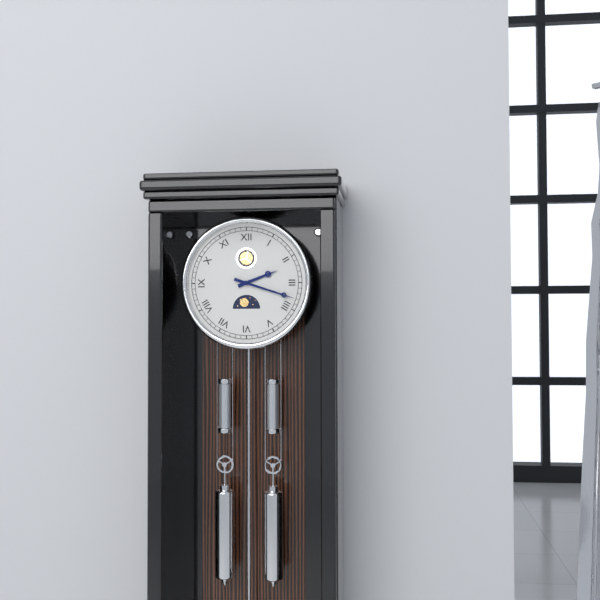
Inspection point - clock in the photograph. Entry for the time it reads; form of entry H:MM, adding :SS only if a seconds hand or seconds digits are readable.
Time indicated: 2:18
